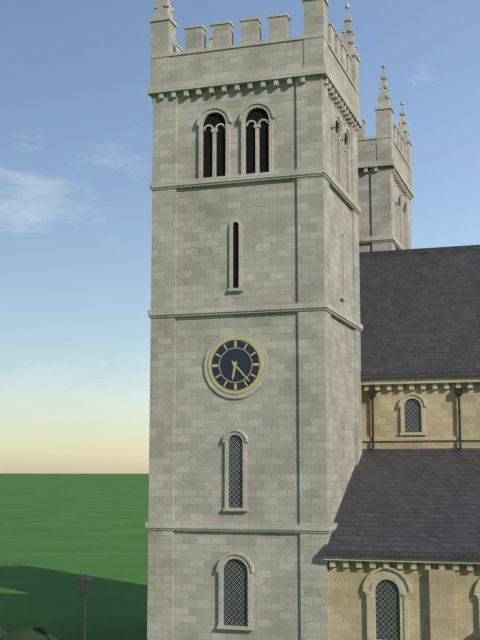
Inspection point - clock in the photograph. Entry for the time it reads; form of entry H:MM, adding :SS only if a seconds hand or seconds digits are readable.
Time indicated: 6:23
